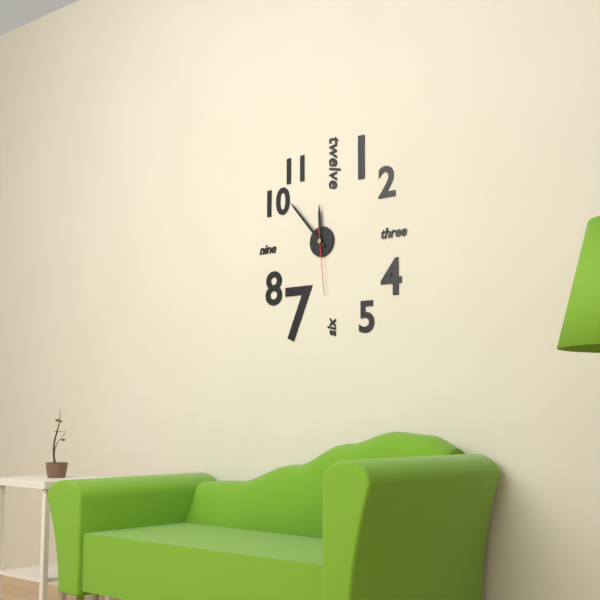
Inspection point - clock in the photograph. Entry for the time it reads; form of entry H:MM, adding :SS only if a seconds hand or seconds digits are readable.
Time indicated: 11:53:29
